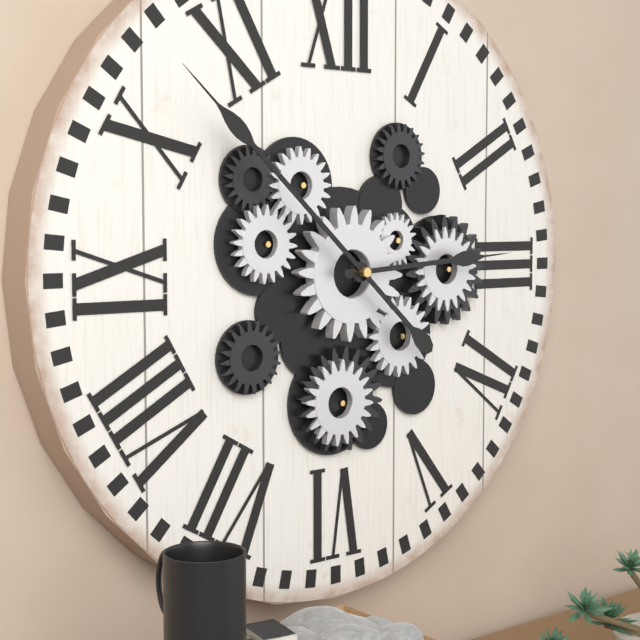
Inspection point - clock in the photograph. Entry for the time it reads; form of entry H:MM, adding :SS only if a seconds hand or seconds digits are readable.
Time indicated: 2:52
